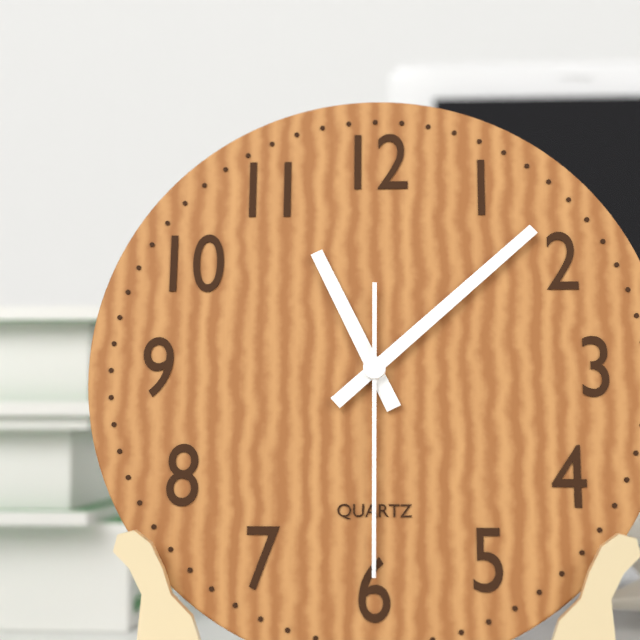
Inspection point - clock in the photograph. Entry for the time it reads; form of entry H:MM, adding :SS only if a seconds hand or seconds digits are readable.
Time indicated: 11:08:30
